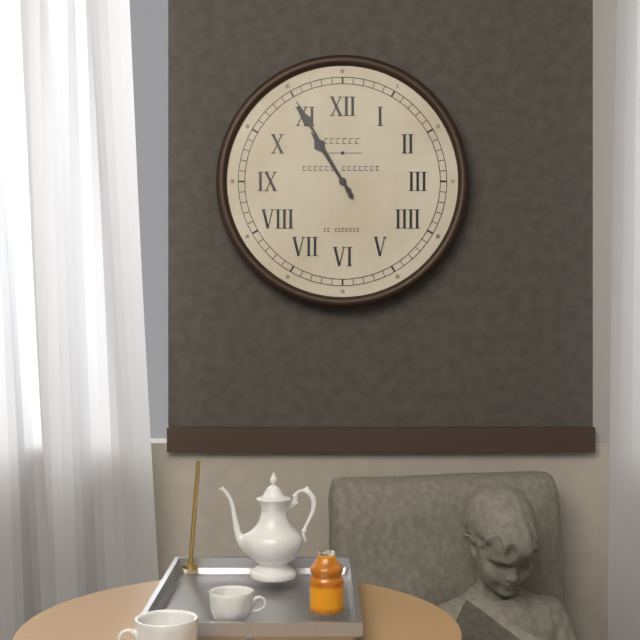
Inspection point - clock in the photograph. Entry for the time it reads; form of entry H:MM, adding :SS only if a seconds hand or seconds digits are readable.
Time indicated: 10:55
